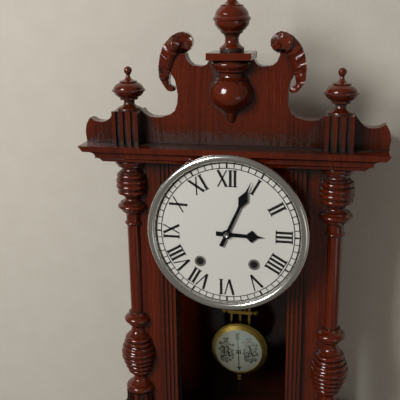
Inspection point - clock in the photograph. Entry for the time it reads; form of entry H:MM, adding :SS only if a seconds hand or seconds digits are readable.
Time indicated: 3:04
